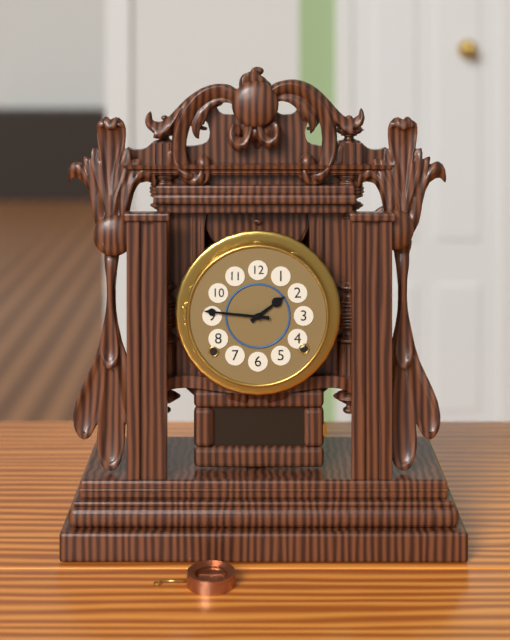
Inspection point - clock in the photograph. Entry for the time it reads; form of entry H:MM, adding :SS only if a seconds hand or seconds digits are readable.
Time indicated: 1:46
